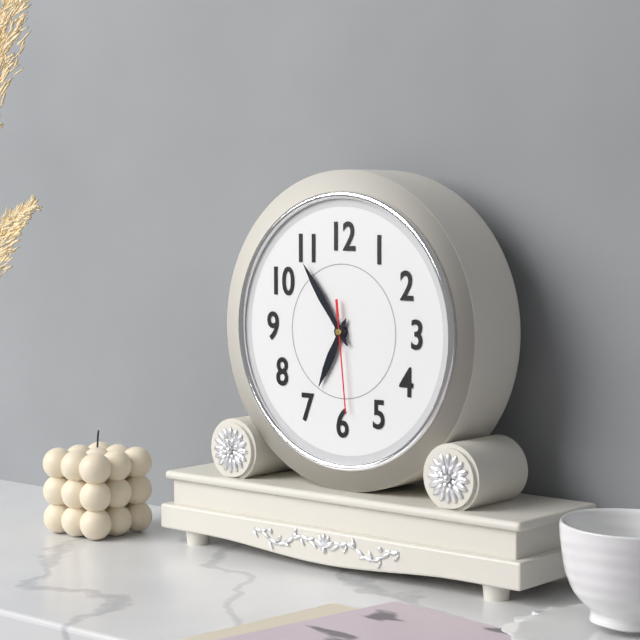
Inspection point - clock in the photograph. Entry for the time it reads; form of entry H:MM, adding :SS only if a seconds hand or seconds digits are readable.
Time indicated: 6:54:29
